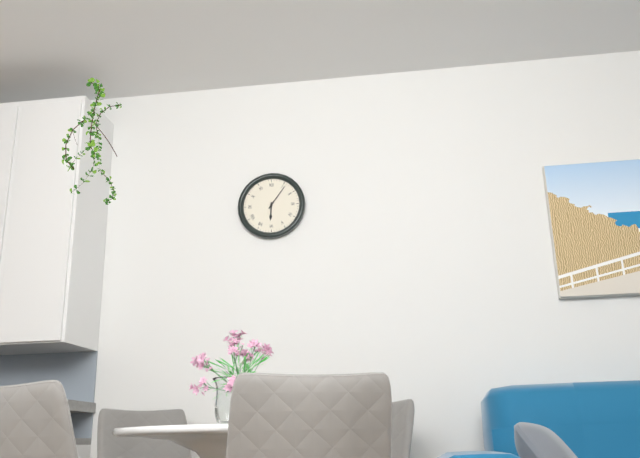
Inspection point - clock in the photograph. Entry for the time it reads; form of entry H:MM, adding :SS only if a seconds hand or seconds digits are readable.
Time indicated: 6:06
